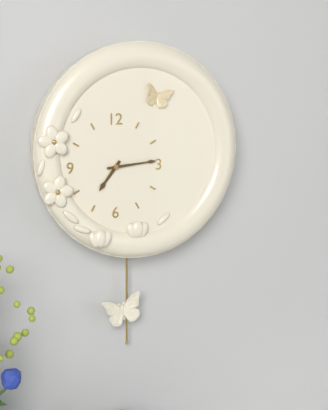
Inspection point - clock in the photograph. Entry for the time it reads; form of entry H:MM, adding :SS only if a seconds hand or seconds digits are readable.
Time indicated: 7:14
